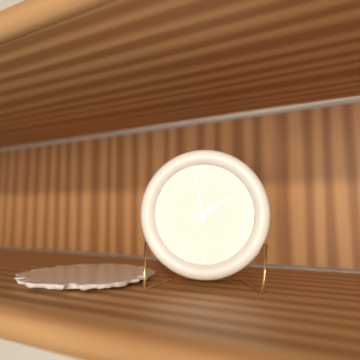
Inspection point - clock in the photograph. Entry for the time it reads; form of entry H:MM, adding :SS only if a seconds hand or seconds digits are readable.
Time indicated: 1:58
